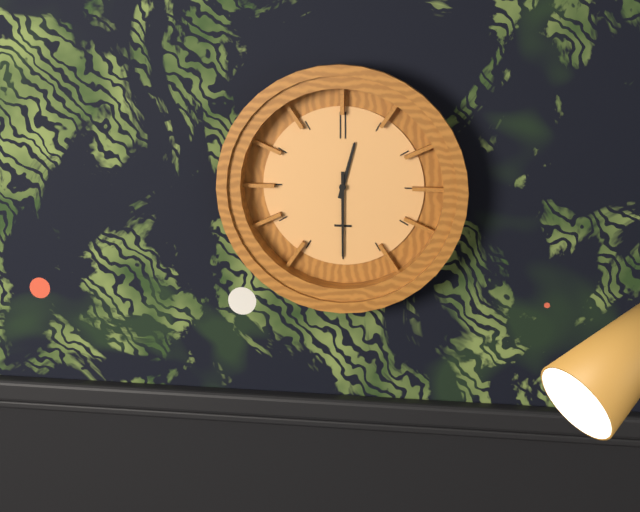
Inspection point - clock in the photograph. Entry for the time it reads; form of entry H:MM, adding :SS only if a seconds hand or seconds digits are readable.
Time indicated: 12:30
